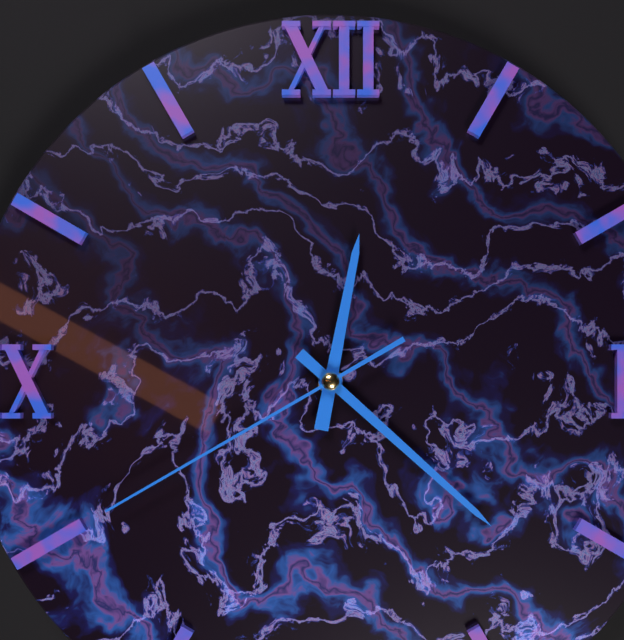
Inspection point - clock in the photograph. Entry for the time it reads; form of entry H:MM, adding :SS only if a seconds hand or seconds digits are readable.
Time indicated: 12:22:40
